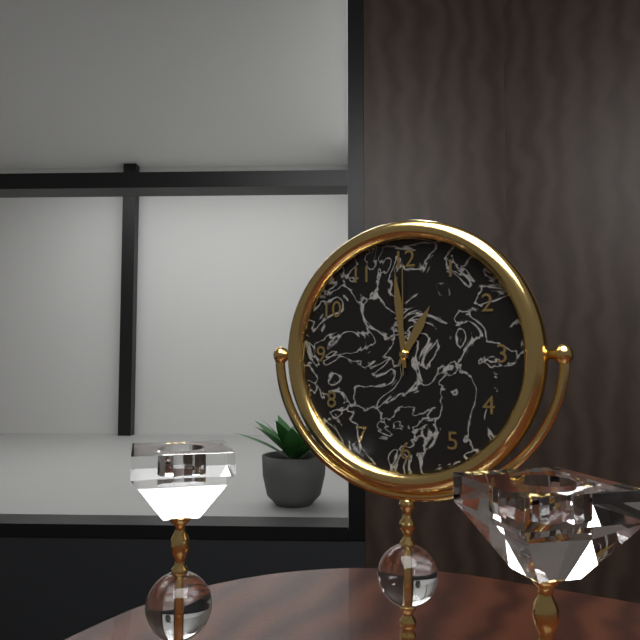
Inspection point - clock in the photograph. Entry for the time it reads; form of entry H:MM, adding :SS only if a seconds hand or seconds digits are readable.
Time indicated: 12:59:00
